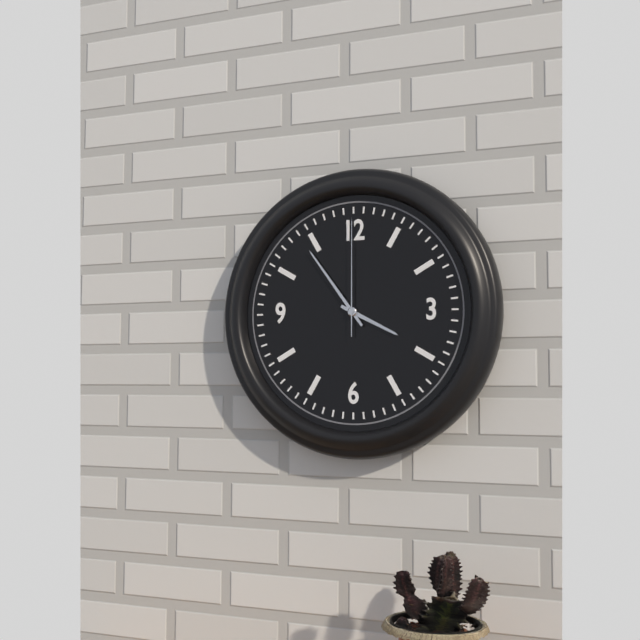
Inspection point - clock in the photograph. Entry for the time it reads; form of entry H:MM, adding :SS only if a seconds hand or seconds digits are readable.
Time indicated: 3:54:00
